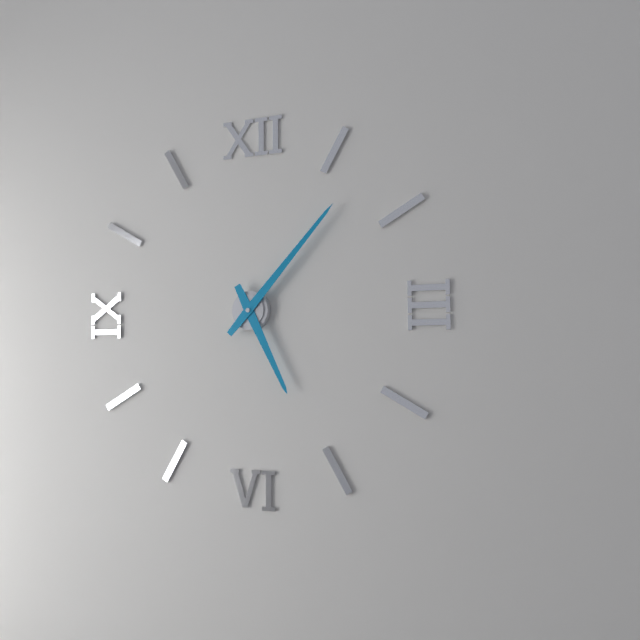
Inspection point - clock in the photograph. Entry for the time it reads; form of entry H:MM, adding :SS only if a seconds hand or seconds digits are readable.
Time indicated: 5:07
